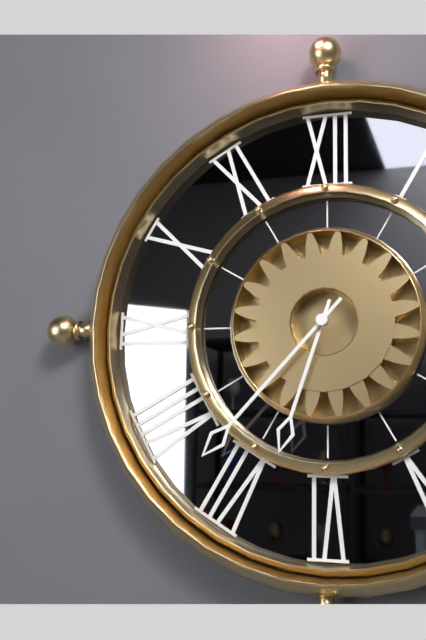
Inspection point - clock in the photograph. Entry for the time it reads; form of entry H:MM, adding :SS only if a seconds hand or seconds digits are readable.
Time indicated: 6:37
